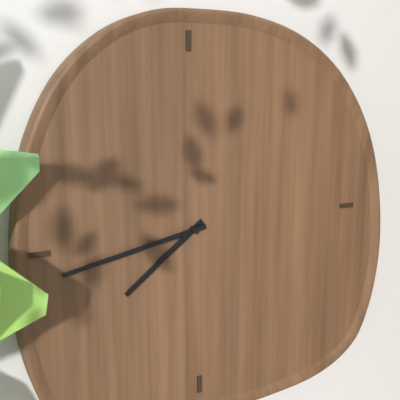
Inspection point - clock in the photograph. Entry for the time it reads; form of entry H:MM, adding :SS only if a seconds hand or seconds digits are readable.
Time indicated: 7:43
